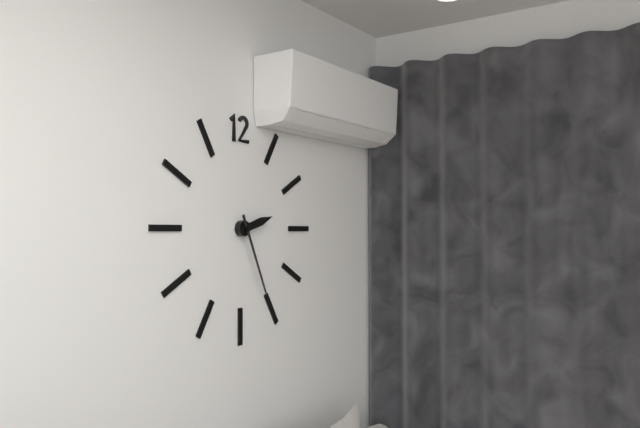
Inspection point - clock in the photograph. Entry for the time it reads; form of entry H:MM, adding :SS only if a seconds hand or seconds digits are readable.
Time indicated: 2:26
